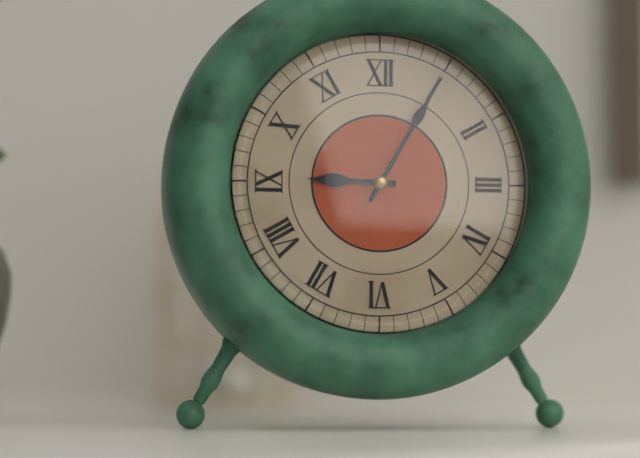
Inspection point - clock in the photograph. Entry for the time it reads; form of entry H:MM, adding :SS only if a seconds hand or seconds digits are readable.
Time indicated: 9:05
